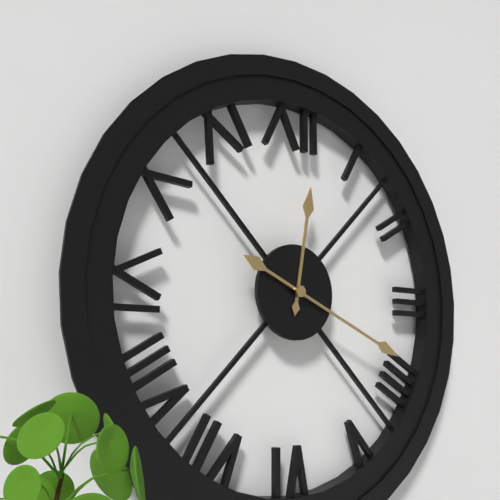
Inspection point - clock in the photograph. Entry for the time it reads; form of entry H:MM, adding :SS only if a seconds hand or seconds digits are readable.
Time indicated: 12:19
